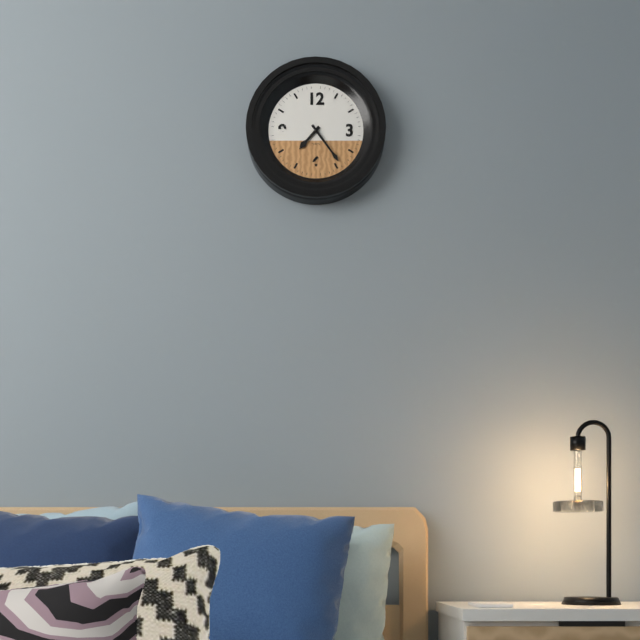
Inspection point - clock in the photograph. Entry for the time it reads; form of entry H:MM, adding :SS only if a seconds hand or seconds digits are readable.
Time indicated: 7:24
